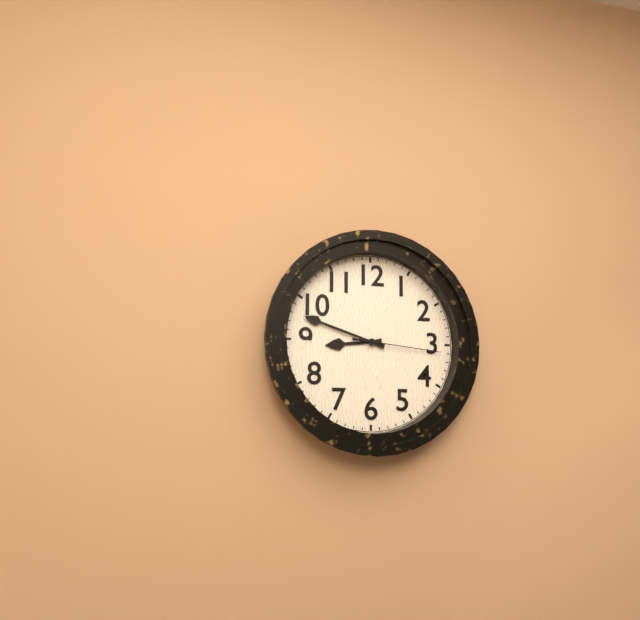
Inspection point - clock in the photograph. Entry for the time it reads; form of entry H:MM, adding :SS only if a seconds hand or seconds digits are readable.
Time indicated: 8:48:16
